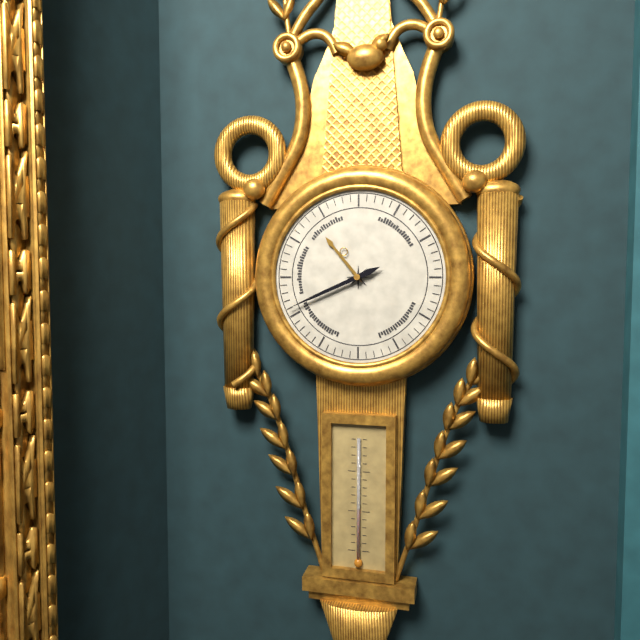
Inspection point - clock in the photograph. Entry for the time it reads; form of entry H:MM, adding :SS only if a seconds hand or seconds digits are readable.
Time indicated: 10:41
